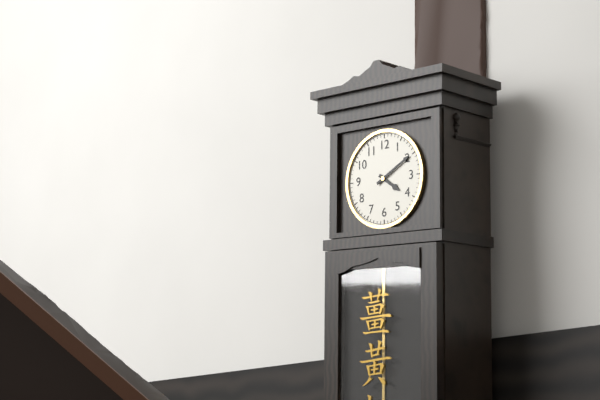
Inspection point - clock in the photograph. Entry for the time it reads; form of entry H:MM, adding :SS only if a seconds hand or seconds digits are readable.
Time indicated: 4:10
